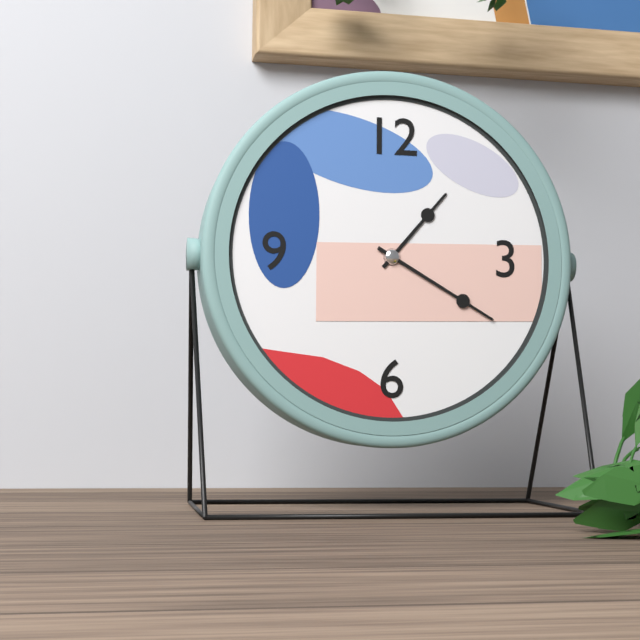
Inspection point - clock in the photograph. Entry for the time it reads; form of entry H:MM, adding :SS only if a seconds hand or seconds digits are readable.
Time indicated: 1:20
